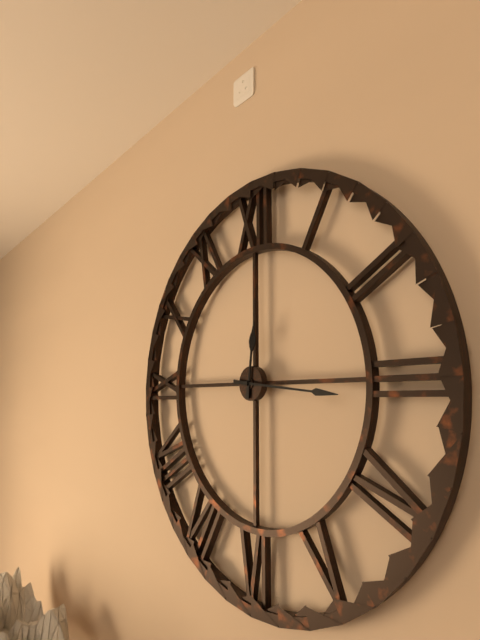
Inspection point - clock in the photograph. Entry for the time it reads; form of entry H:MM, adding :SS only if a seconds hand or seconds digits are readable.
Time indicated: 12:16
